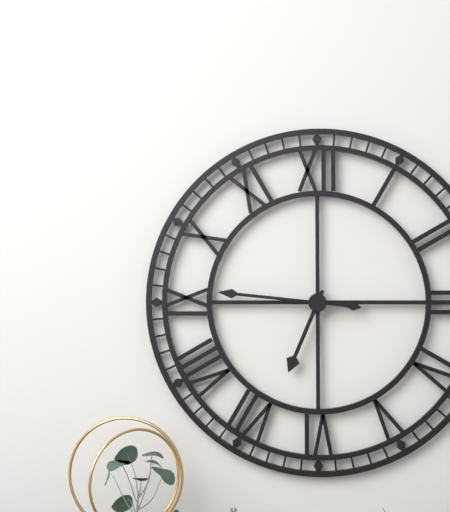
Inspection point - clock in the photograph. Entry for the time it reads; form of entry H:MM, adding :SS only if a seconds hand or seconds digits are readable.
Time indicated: 6:46
